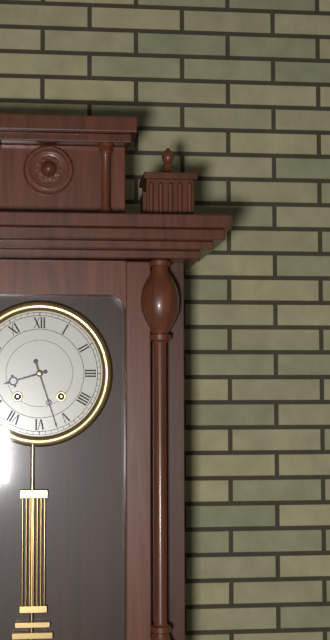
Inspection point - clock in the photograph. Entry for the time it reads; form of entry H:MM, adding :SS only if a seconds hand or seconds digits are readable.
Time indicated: 8:27
